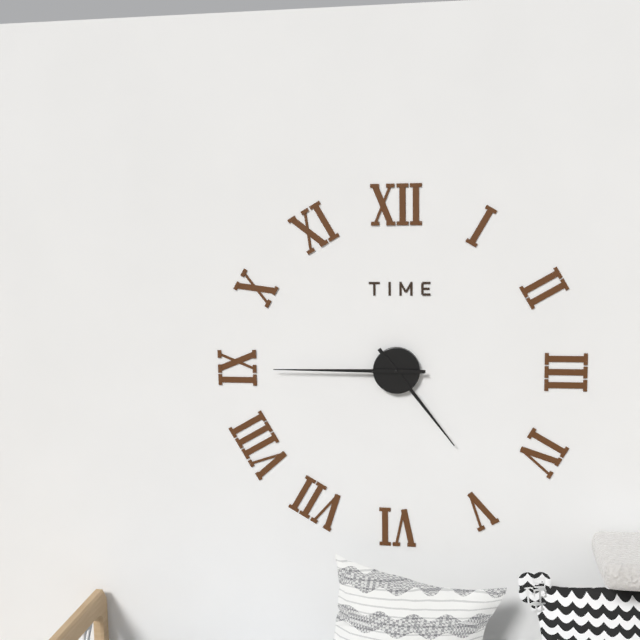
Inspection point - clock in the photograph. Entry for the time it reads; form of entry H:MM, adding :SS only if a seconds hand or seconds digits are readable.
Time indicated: 4:45
